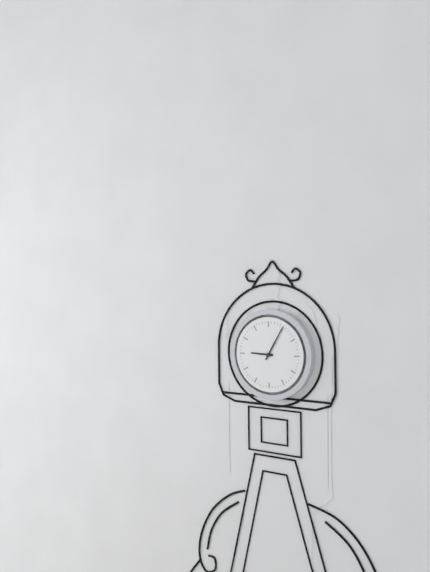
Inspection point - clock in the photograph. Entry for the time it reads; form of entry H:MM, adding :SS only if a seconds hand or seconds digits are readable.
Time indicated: 9:05
